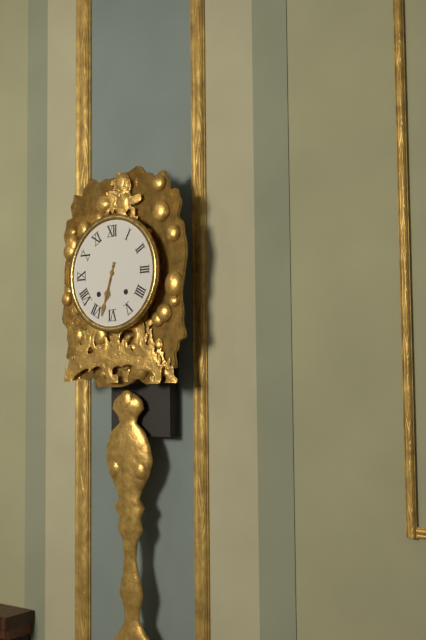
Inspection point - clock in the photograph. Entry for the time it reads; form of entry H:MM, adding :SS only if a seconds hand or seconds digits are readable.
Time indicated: 6:33
